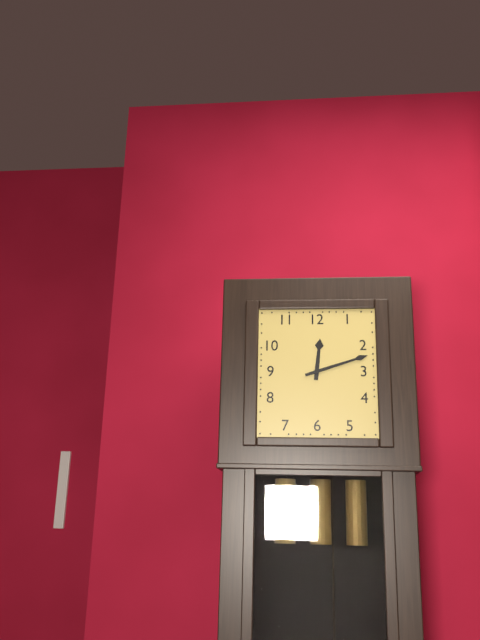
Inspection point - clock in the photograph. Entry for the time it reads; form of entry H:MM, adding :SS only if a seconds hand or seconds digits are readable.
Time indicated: 12:12
